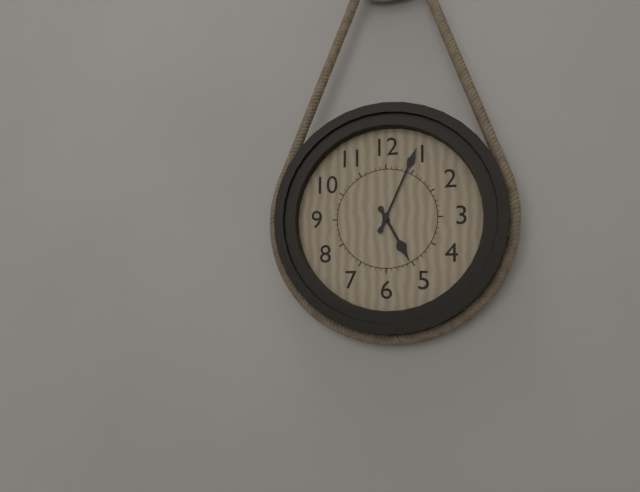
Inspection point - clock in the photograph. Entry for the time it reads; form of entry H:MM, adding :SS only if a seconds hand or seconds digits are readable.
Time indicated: 5:04
